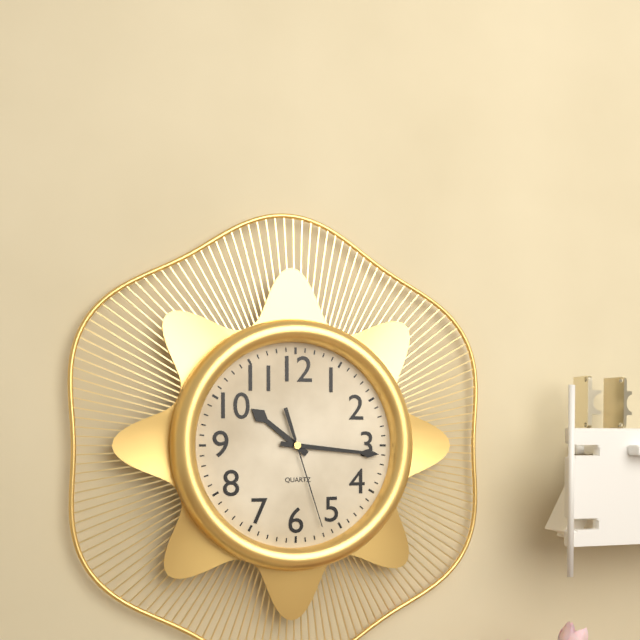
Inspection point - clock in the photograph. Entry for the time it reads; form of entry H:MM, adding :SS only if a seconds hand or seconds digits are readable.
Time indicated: 10:16:27
